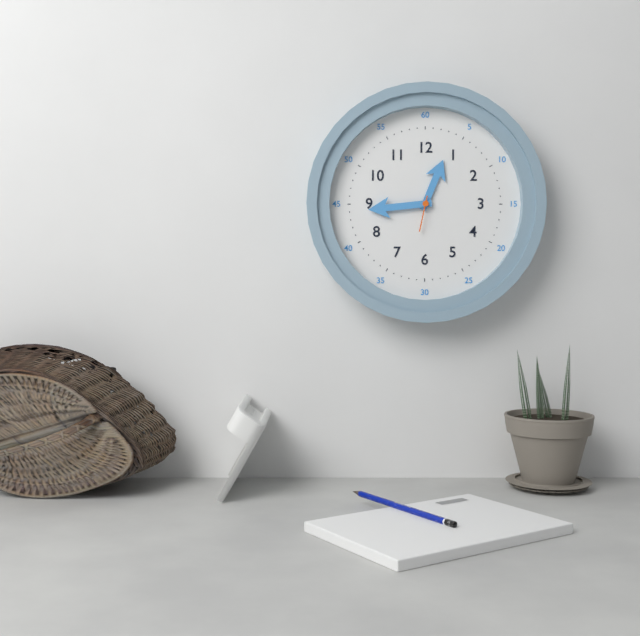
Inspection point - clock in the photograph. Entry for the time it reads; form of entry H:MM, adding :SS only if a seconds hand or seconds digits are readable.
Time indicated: 12:44
